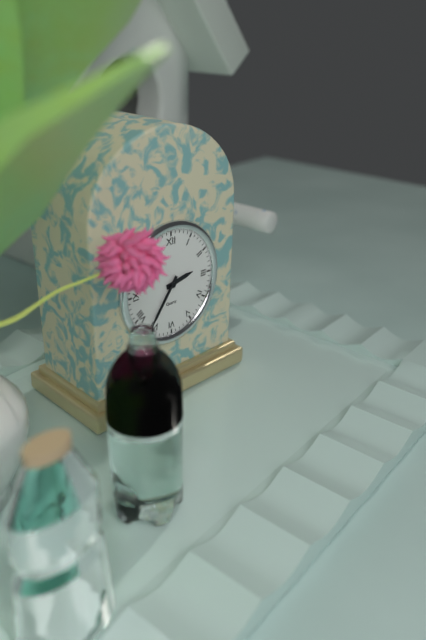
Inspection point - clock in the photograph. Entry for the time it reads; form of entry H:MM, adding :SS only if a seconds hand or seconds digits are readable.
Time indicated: 2:36
